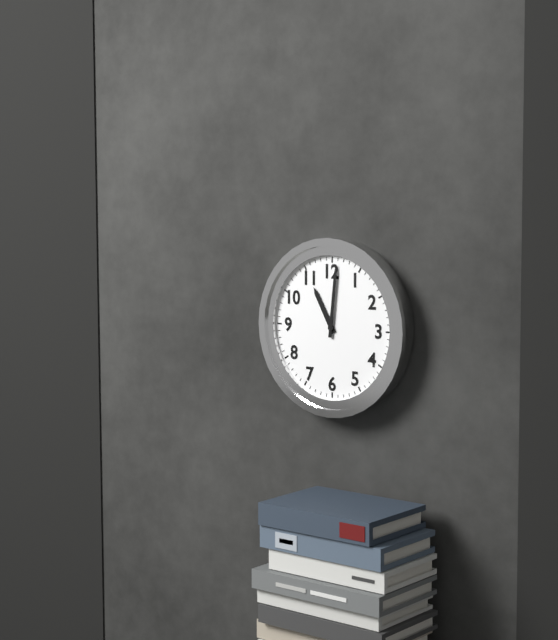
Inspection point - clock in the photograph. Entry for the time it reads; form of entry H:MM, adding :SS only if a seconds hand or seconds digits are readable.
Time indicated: 11:01
